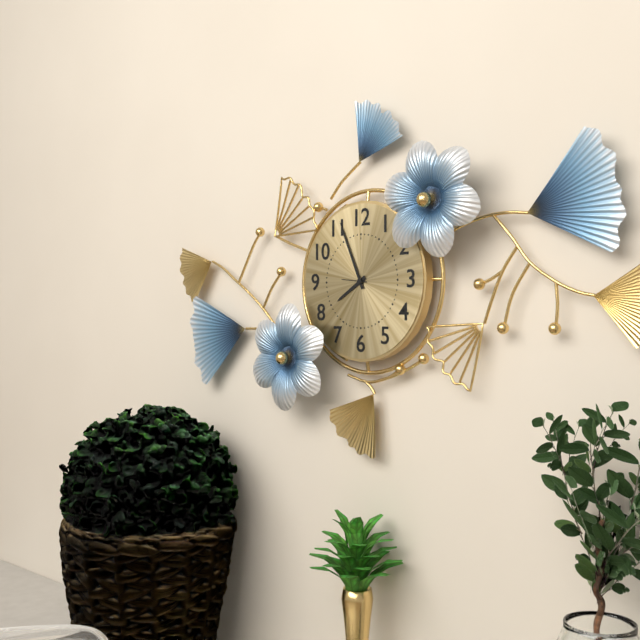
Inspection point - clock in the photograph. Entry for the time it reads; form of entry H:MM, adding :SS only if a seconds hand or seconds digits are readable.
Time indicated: 7:56
